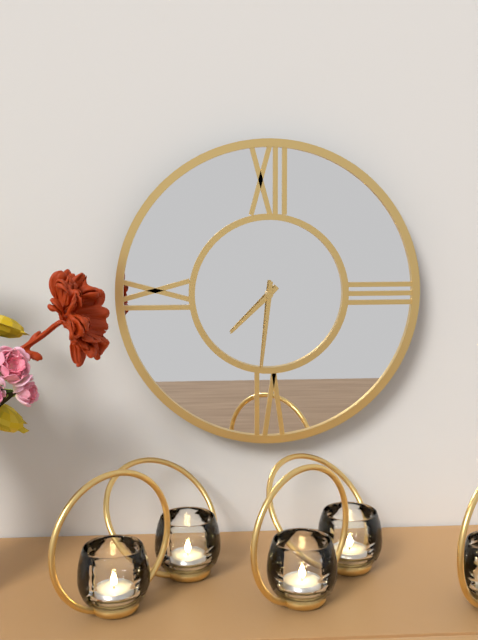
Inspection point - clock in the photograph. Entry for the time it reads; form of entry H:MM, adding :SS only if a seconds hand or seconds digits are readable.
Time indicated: 7:31
